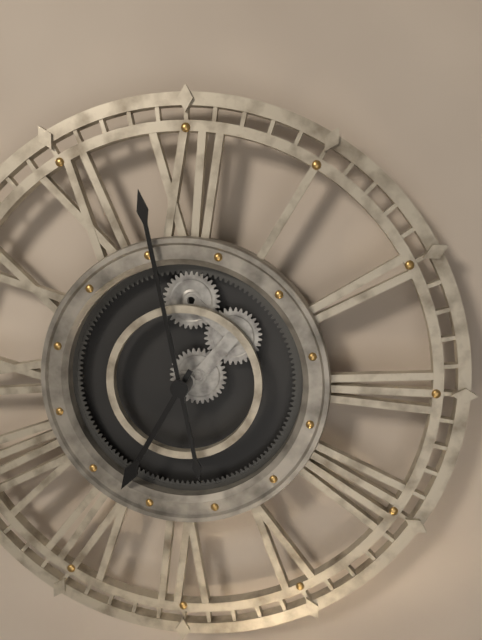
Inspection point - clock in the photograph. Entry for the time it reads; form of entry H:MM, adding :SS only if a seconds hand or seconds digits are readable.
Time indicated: 6:58
